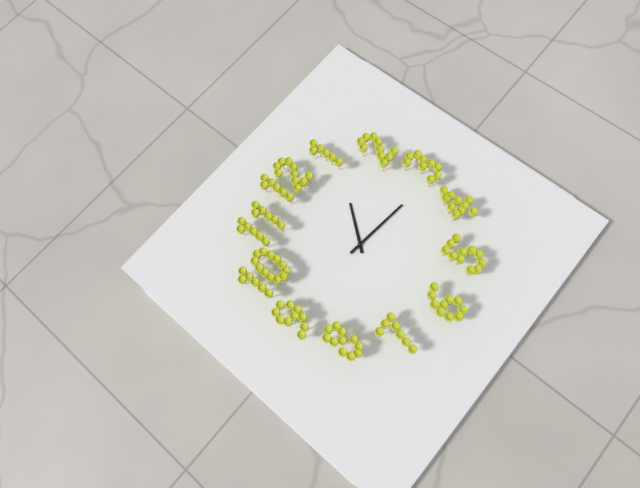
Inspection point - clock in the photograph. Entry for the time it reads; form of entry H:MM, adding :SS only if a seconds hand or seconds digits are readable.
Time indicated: 1:16
